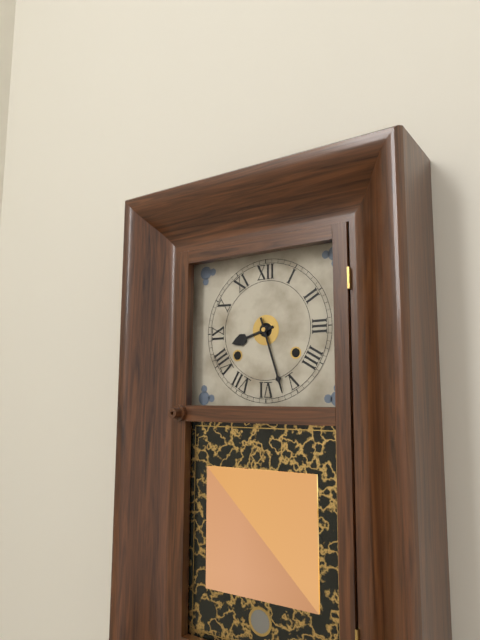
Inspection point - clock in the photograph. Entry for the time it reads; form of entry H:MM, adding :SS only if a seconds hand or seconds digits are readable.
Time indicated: 8:27
